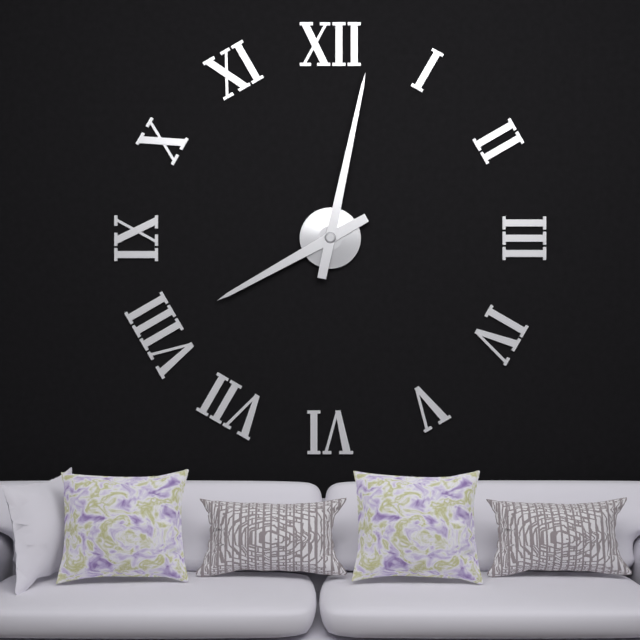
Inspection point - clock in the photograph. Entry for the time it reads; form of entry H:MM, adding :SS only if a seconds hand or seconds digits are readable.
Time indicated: 8:02
